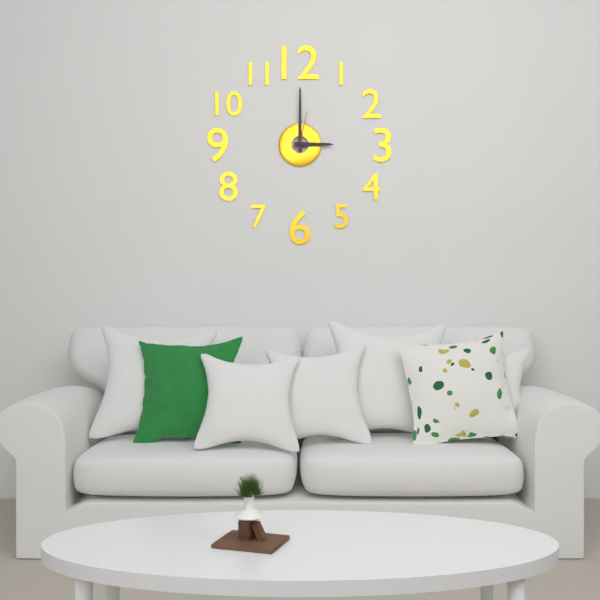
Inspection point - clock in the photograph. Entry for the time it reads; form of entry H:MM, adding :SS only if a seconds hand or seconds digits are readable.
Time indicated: 3:00
